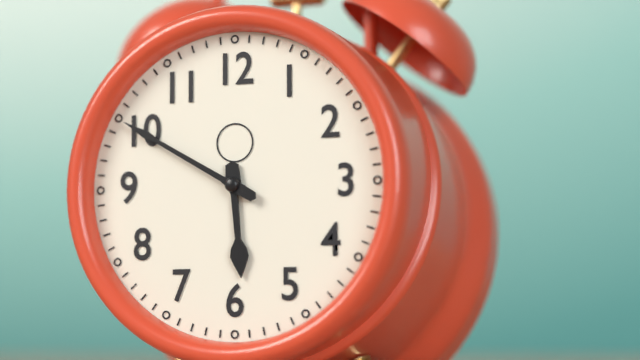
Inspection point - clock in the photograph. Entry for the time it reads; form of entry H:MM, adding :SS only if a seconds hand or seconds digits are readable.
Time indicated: 5:50
